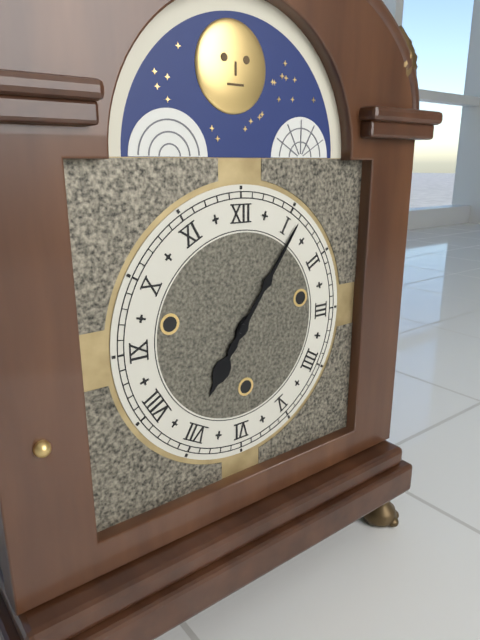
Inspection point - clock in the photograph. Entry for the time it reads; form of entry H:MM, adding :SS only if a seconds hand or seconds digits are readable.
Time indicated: 7:06
